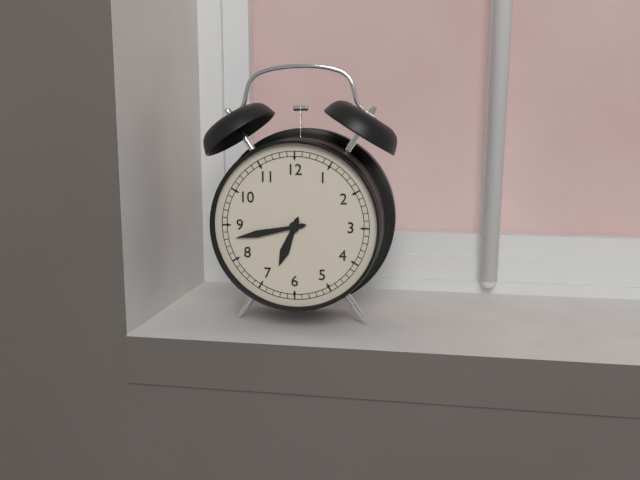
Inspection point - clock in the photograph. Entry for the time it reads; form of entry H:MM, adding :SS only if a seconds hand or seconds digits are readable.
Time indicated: 6:43
